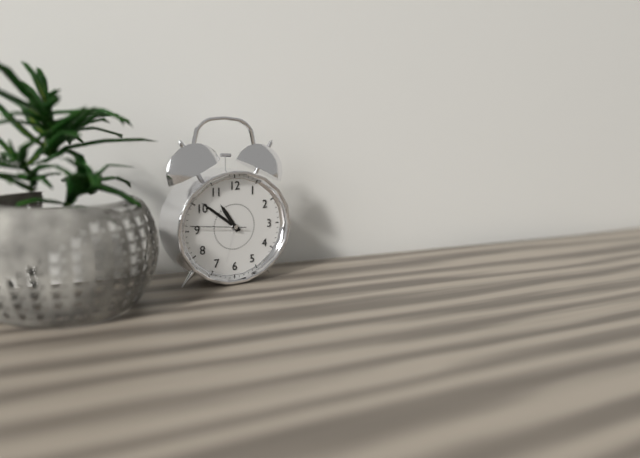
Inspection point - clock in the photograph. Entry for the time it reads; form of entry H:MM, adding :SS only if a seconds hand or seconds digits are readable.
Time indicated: 10:51:46
